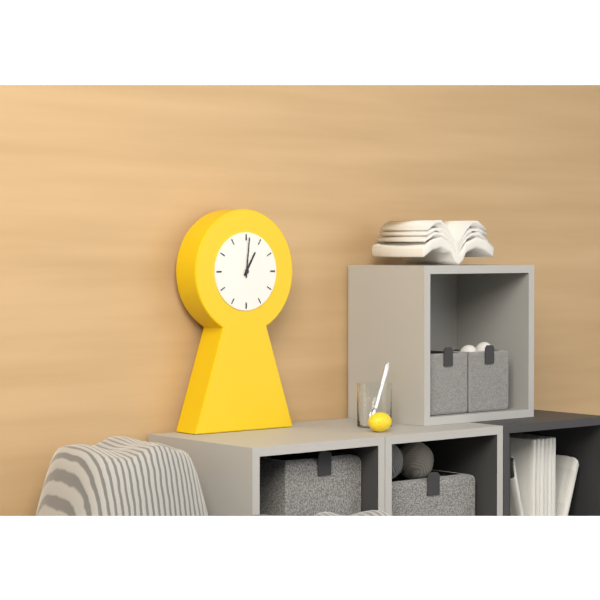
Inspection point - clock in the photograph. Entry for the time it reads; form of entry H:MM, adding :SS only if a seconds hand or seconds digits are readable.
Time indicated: 1:01
